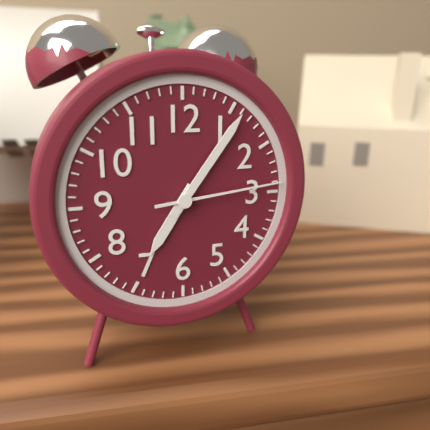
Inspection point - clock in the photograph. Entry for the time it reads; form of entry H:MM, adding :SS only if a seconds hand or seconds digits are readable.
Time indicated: 7:06:14
